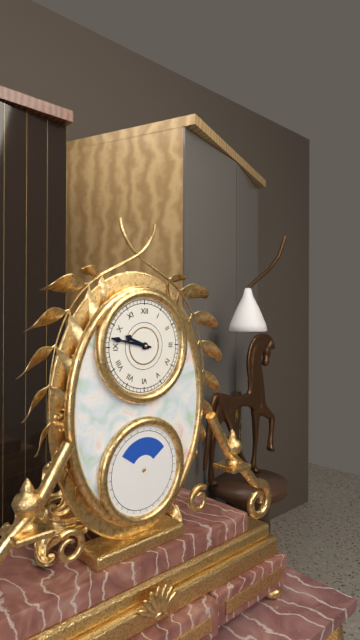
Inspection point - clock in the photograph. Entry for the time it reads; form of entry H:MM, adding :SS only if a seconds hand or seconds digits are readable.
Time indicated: 9:47
